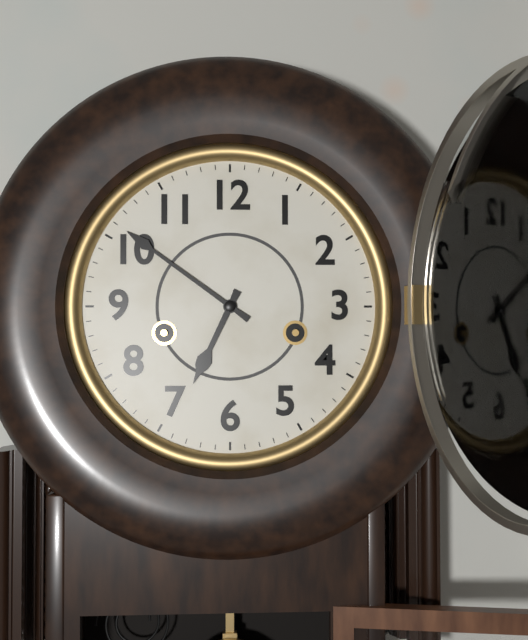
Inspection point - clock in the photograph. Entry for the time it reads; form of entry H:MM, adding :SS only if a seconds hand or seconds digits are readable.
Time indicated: 6:51
